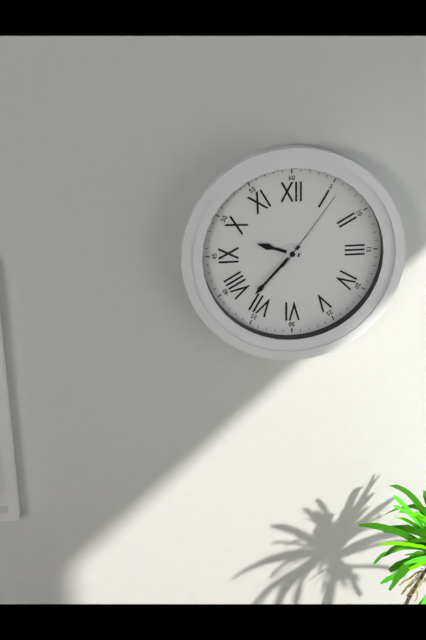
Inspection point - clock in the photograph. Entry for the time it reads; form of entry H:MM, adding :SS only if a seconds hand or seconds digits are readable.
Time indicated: 9:37:06
